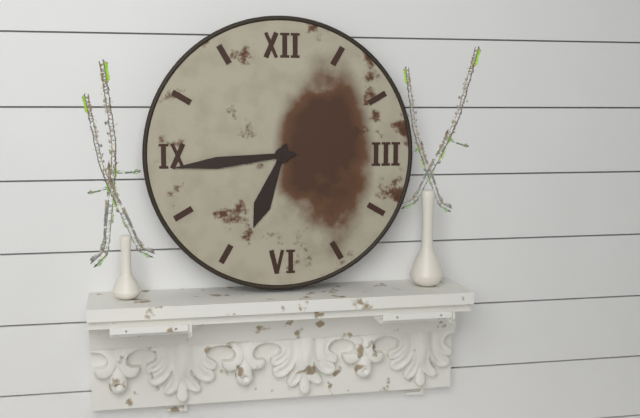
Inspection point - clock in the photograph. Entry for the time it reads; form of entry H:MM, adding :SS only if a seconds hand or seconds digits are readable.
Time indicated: 6:44
